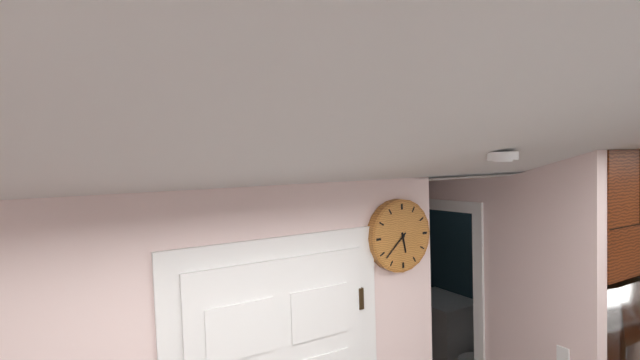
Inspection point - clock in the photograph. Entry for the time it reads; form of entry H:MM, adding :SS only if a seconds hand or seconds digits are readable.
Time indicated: 5:38
